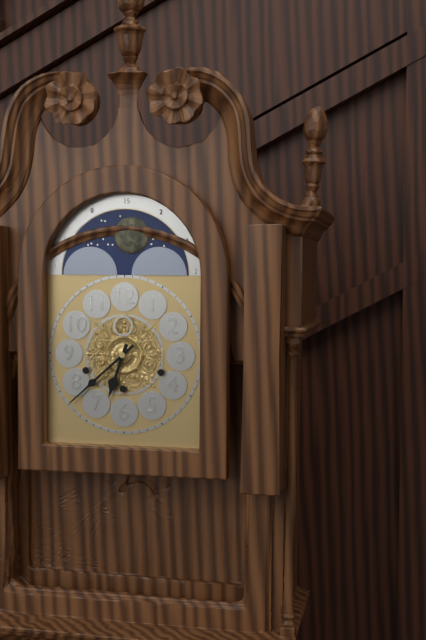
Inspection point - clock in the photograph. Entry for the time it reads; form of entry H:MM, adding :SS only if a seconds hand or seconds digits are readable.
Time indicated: 6:38
